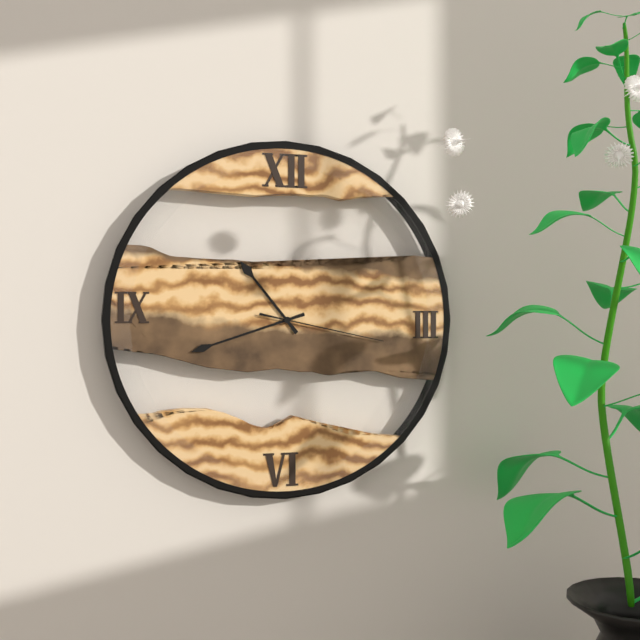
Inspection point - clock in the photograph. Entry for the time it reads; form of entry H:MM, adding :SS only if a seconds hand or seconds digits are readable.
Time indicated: 10:42:17
